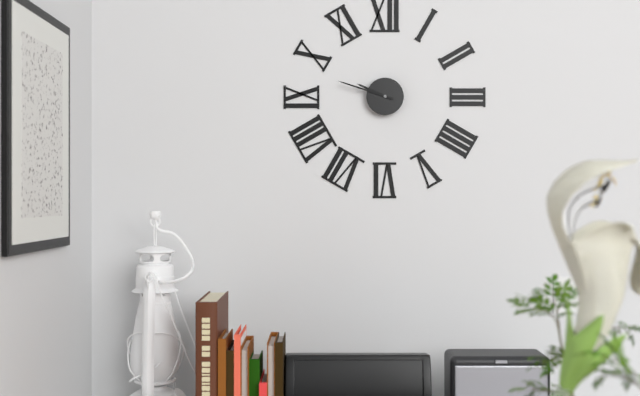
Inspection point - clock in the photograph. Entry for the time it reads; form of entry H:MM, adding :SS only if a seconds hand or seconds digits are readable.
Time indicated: 9:48
